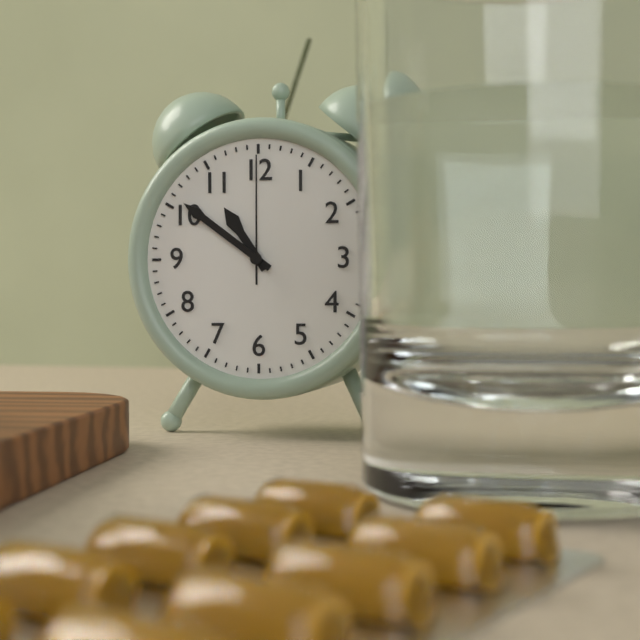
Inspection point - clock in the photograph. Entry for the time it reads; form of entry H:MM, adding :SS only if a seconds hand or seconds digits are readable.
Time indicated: 10:51:00
